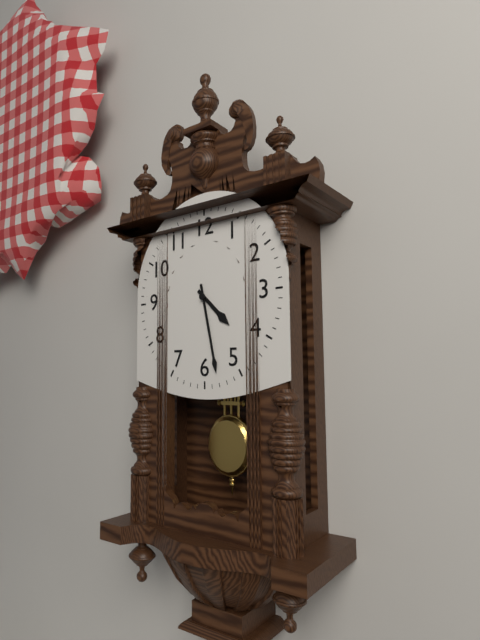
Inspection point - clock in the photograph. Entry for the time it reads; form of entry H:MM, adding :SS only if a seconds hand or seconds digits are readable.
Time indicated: 4:28
